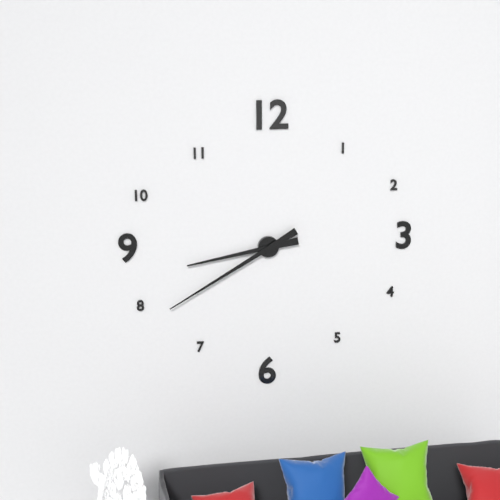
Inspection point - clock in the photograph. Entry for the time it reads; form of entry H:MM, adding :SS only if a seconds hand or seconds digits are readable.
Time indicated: 8:40
